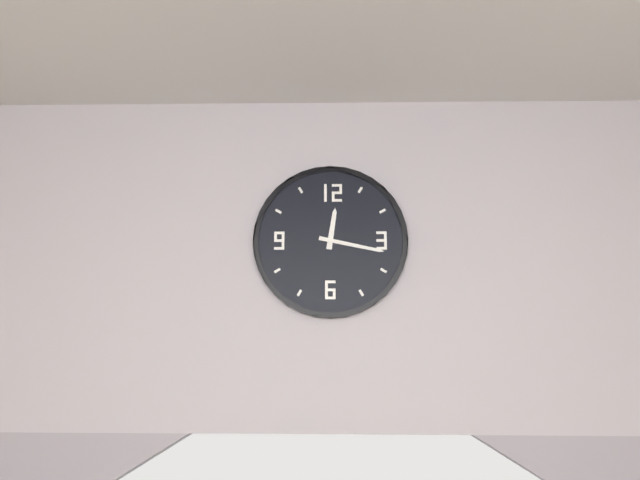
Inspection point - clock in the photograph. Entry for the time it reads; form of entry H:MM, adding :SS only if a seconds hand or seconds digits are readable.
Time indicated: 12:17
